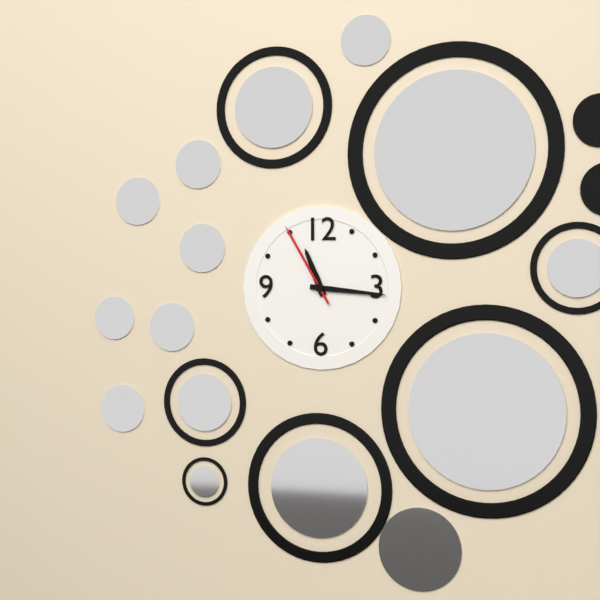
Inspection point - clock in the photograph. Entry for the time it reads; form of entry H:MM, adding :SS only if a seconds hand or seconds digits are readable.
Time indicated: 11:16:55
